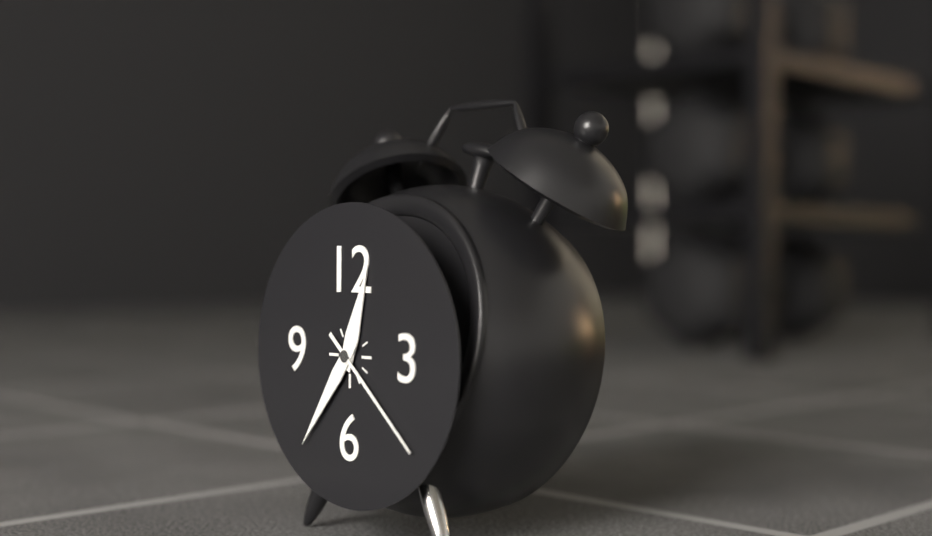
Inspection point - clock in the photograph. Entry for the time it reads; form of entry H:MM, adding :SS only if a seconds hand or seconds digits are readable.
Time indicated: 12:36:22
